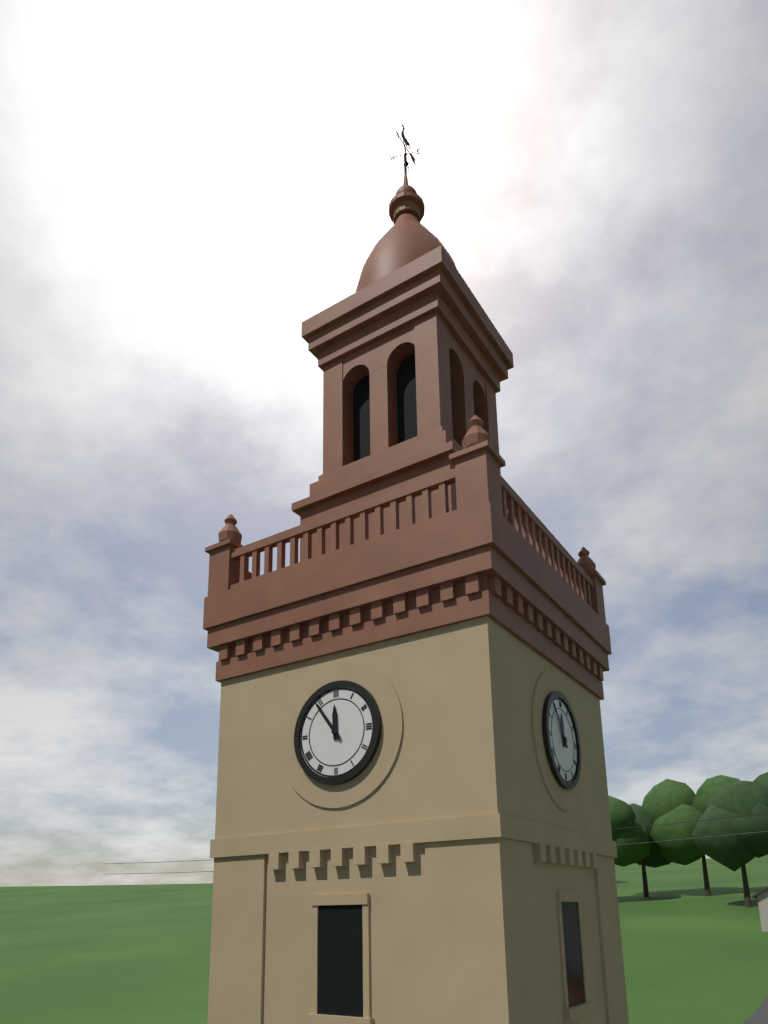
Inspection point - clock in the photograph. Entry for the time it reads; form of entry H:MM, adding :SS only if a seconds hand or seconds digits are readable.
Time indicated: 11:54
